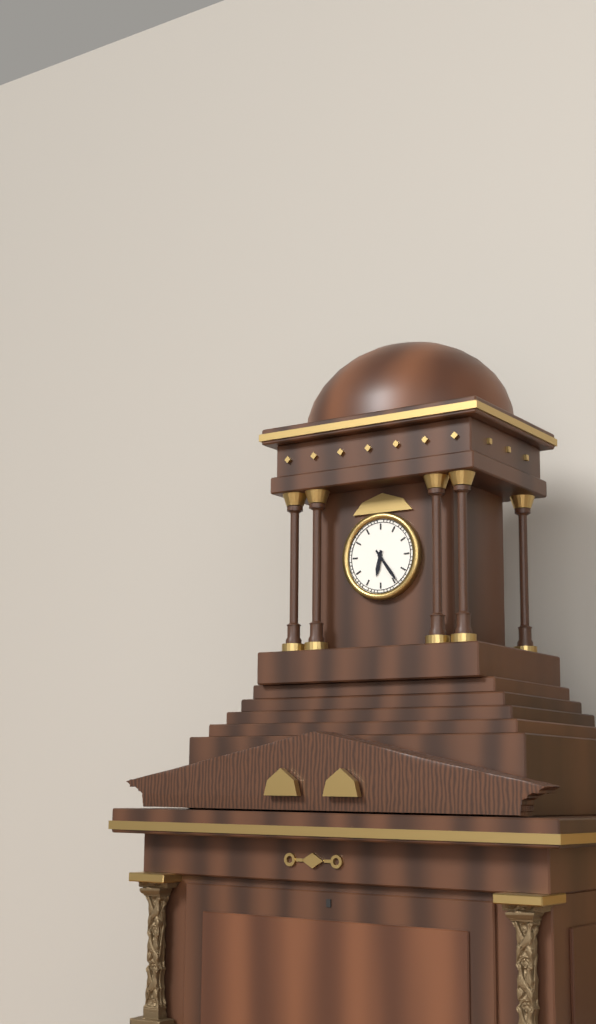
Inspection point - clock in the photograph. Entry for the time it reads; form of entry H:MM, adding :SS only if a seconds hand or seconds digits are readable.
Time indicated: 6:24
